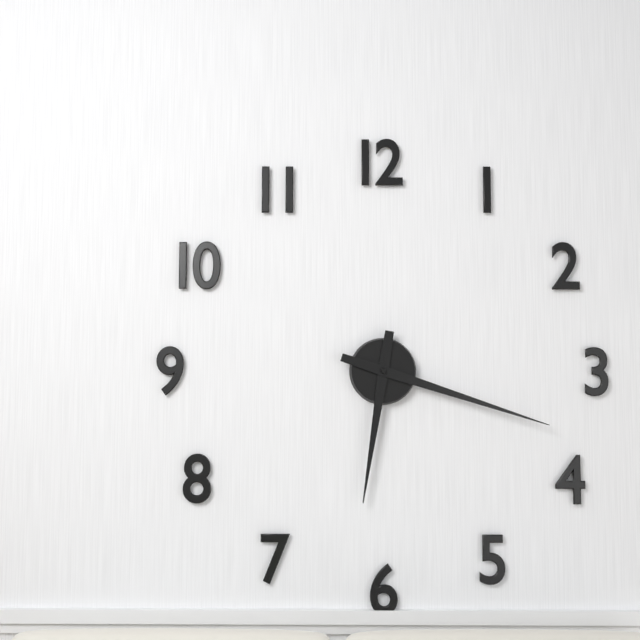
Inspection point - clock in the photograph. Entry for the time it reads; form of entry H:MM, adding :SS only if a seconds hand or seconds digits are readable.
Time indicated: 6:18
